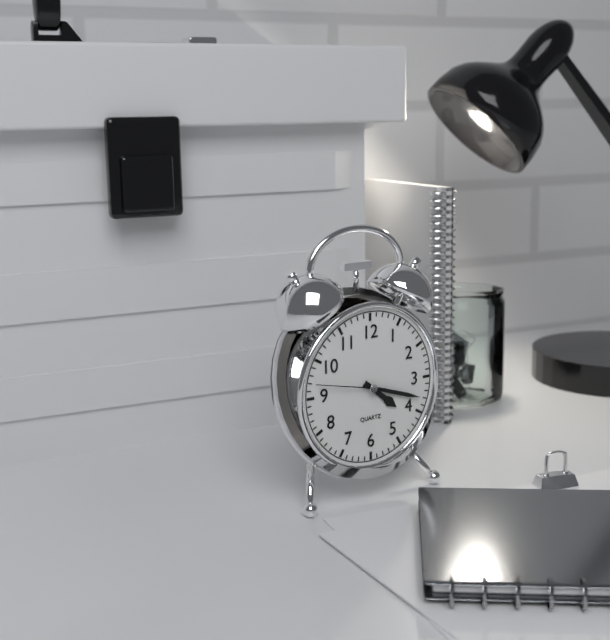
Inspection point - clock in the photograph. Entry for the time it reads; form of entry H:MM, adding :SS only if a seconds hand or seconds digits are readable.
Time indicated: 4:18:47
